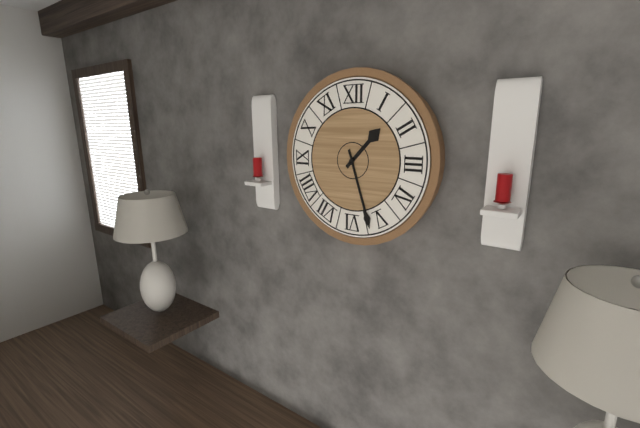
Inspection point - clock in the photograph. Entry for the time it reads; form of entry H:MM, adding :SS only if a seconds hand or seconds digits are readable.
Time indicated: 1:27
